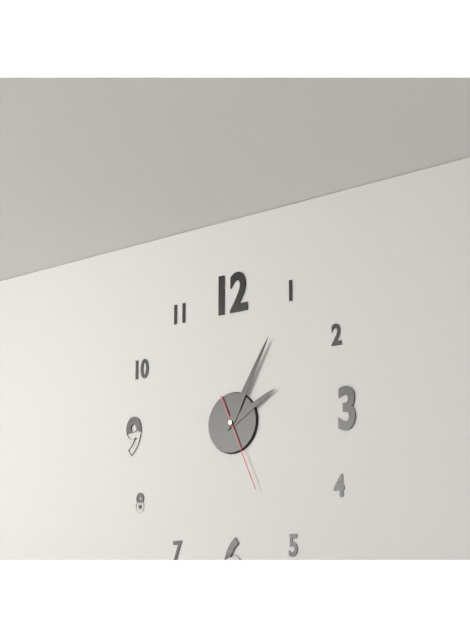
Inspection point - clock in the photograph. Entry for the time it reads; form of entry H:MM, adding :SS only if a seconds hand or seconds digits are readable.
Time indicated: 2:05:26
